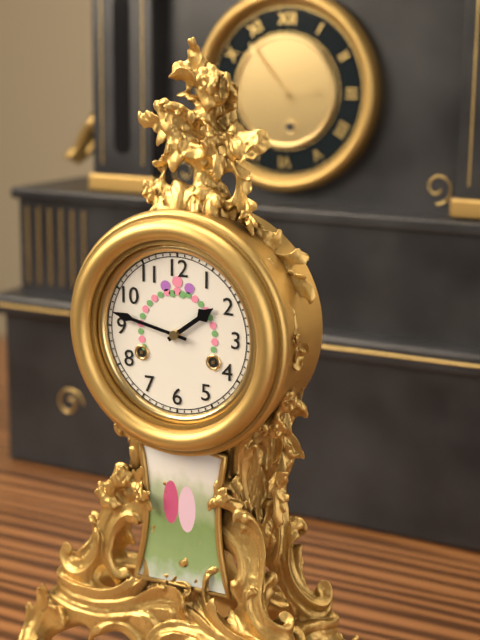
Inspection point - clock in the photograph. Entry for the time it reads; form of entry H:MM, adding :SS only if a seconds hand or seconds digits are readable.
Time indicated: 1:47
